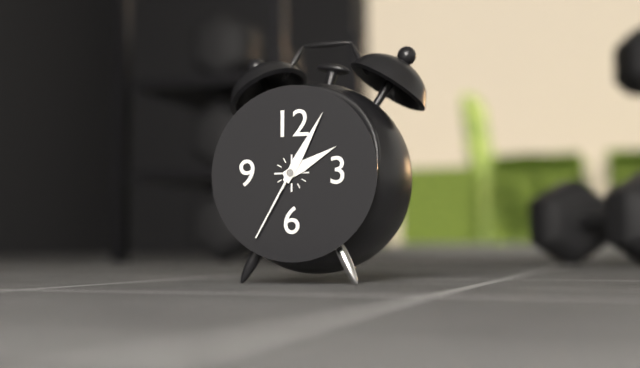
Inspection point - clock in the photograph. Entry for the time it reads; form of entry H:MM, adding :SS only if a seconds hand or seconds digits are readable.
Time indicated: 2:05:35
